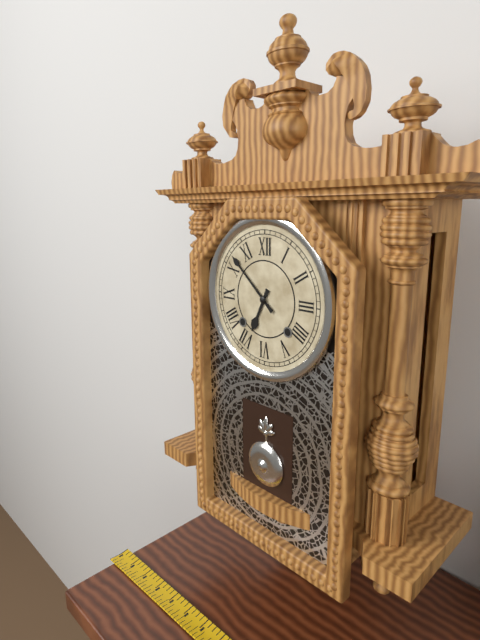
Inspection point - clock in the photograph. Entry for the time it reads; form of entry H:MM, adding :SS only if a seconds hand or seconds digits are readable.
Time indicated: 6:52
